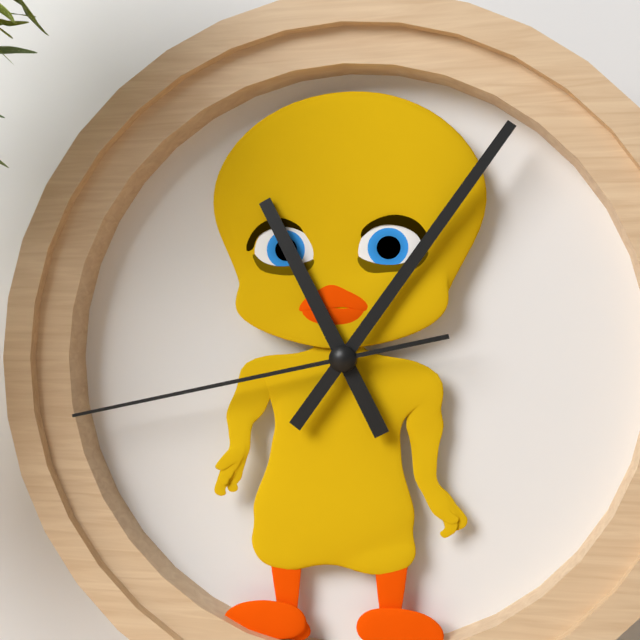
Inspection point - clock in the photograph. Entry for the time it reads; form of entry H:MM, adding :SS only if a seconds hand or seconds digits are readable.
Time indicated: 11:06:43
